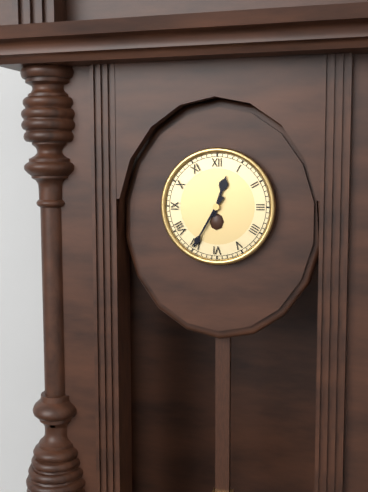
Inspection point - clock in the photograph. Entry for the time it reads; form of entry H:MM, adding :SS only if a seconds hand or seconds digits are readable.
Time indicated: 12:35
